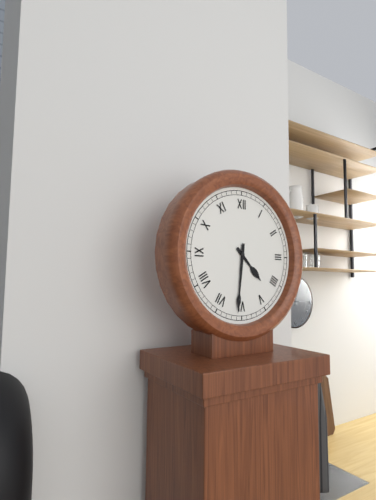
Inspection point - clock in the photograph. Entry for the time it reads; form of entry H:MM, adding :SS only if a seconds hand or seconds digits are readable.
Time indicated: 4:31
